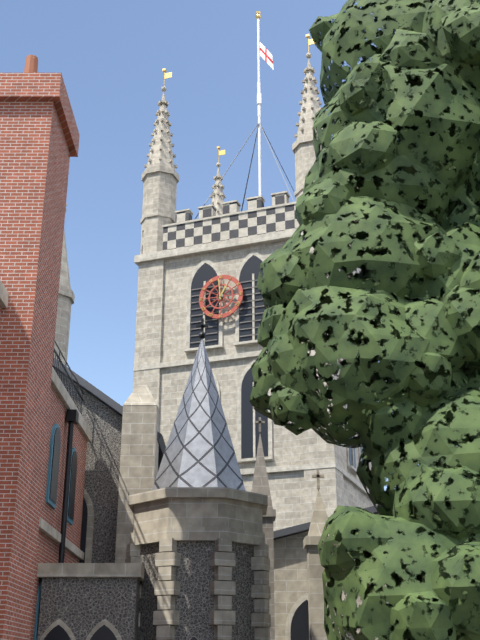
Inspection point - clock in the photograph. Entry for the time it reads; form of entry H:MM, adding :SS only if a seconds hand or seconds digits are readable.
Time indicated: 12:59
